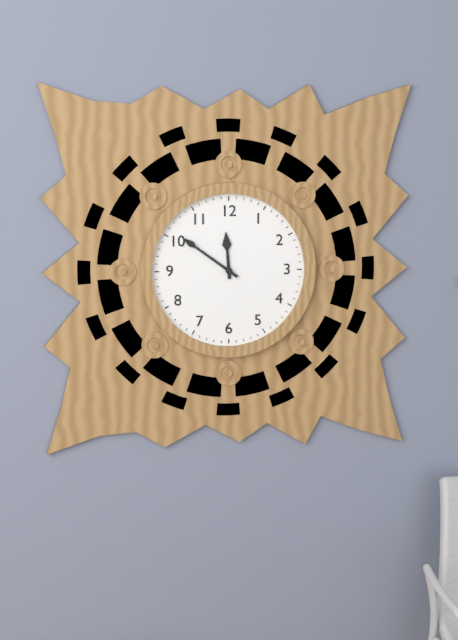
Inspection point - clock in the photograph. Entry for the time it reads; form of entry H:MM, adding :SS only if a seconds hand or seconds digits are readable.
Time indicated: 11:51
